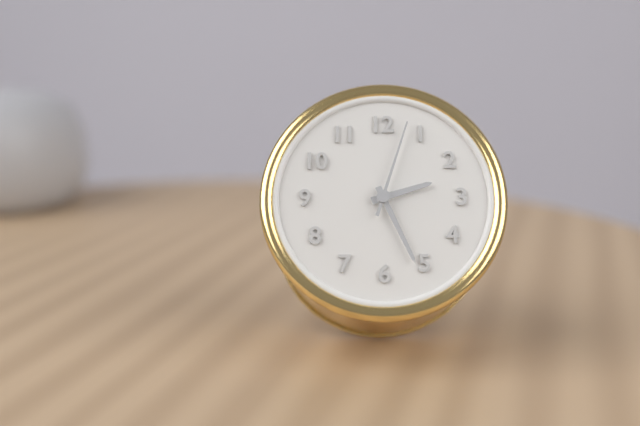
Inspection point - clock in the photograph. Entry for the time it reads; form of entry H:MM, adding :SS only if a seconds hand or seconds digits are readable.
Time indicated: 2:26:03
